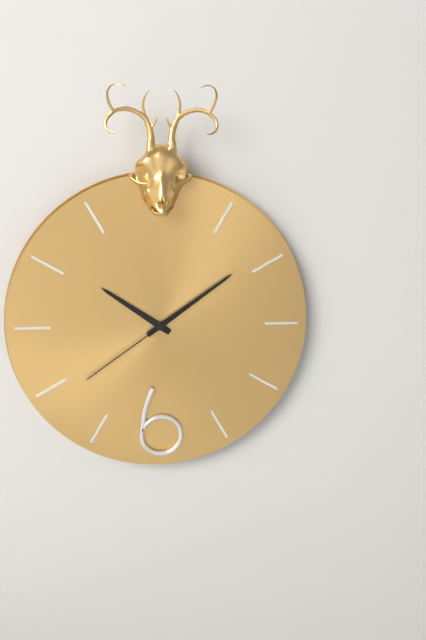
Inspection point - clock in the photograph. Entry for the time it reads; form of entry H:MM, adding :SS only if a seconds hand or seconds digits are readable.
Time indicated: 10:09:39
